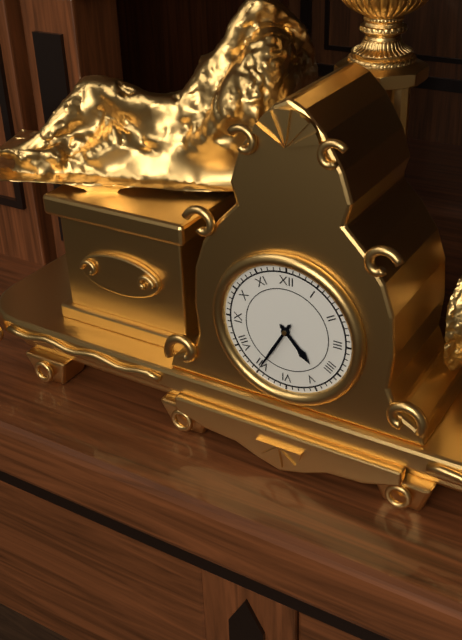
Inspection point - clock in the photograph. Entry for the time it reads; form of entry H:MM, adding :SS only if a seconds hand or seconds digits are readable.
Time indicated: 4:35
